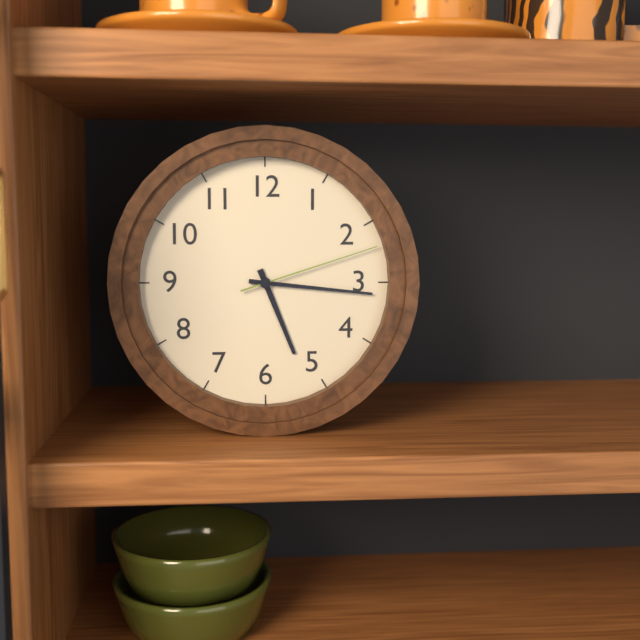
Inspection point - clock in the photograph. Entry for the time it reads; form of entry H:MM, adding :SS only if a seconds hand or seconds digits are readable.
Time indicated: 5:16:12
